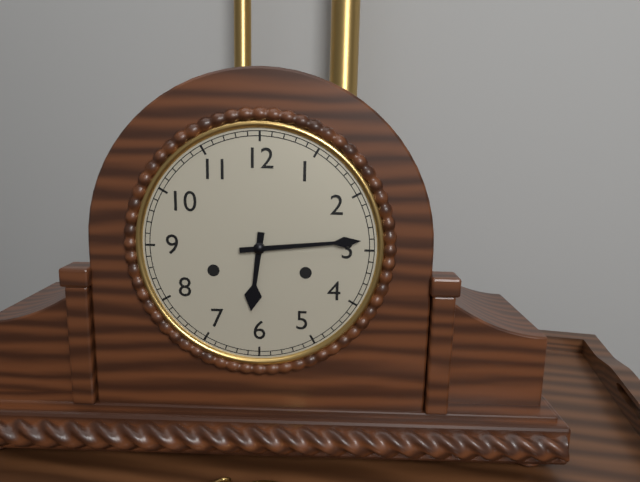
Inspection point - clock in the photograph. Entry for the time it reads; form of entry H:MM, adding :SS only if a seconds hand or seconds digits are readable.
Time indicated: 6:14
